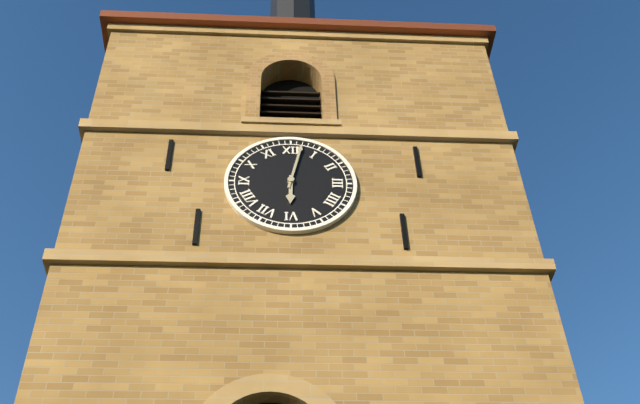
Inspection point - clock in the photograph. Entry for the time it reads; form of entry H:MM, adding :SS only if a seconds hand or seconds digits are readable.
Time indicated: 6:02
